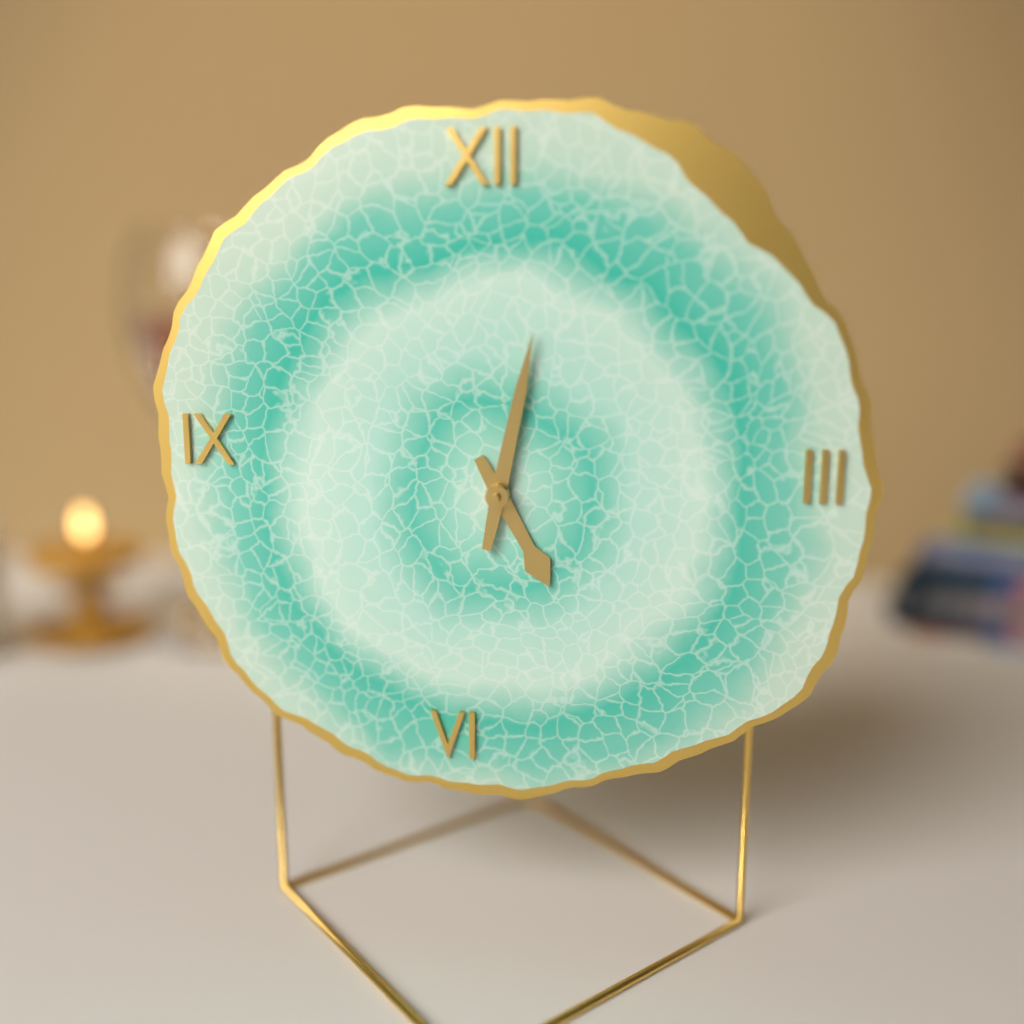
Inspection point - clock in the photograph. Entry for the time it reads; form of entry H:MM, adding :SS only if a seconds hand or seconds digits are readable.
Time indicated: 5:02
